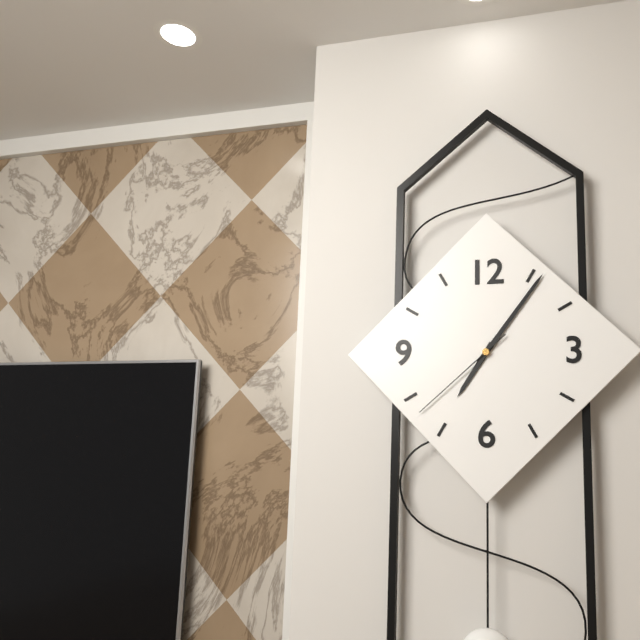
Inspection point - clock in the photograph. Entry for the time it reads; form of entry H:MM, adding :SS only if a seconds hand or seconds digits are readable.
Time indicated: 7:06:38
